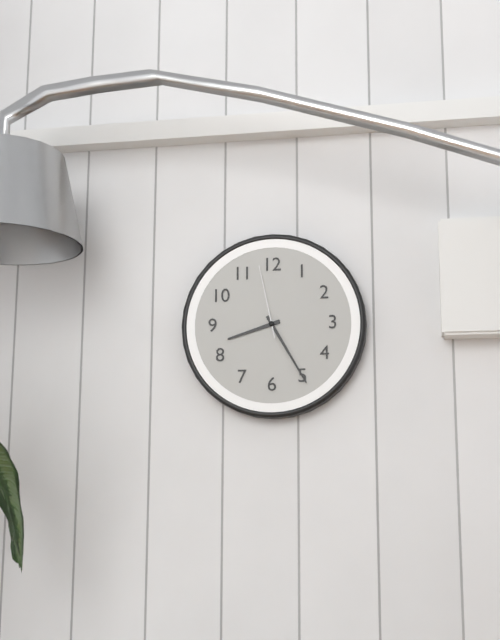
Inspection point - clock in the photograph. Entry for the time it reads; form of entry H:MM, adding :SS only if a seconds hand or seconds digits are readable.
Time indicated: 8:25:58
